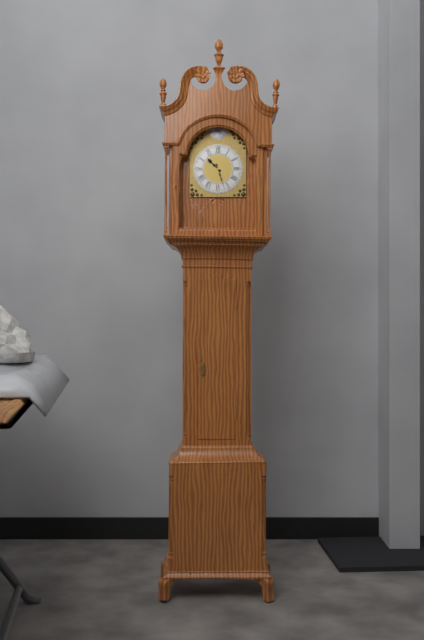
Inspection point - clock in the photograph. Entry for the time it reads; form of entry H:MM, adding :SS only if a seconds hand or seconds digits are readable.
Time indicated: 10:27
